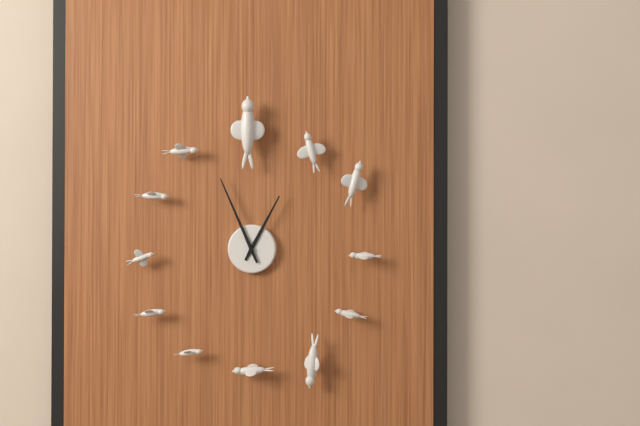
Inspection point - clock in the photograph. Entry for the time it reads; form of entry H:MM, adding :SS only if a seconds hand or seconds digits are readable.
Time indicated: 12:56
